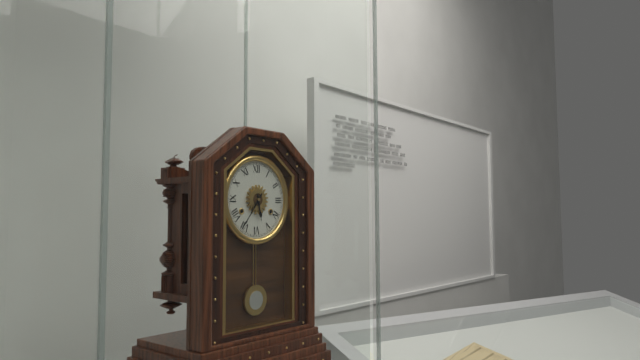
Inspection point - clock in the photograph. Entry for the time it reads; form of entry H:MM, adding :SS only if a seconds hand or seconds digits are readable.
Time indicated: 5:36
